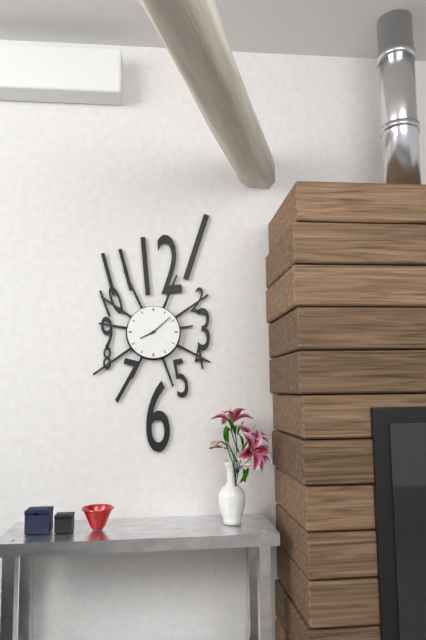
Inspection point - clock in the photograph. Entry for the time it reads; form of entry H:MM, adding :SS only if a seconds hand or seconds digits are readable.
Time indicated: 8:08
